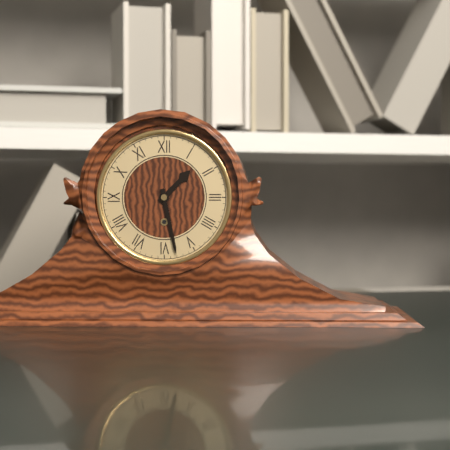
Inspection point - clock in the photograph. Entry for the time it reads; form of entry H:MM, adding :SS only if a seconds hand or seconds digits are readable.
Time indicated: 1:28
